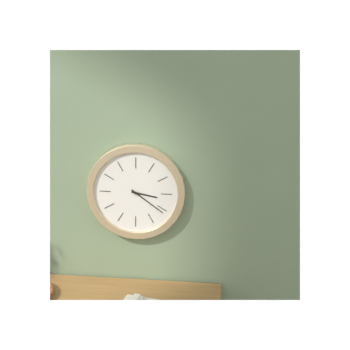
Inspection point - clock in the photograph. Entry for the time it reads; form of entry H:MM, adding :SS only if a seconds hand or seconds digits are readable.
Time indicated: 3:21
